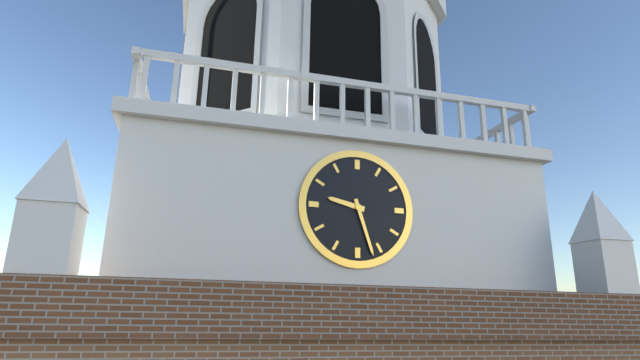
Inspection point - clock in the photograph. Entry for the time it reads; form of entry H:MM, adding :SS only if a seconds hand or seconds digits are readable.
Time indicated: 9:27
